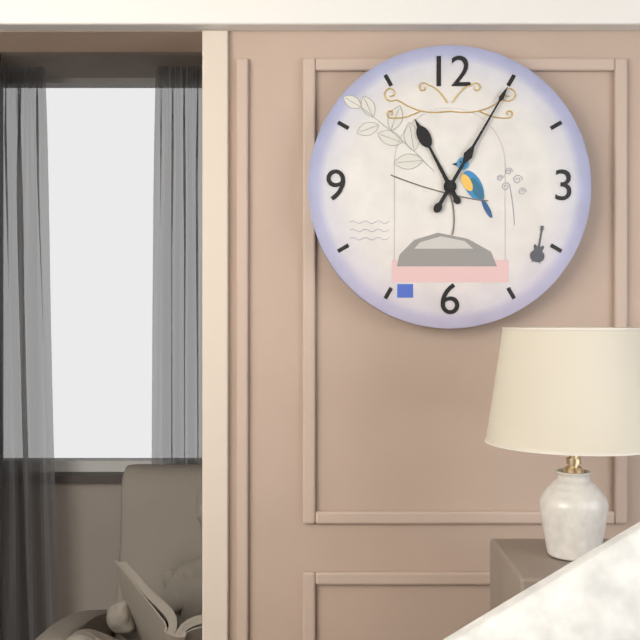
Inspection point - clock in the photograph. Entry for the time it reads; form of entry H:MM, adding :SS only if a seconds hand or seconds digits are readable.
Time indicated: 11:05
